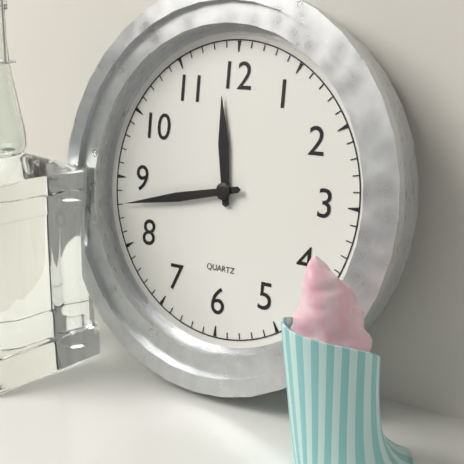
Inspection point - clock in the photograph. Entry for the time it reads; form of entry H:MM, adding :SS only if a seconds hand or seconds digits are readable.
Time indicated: 11:43
